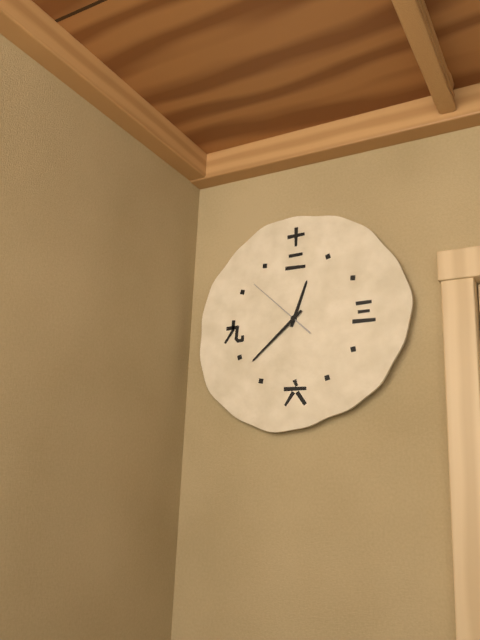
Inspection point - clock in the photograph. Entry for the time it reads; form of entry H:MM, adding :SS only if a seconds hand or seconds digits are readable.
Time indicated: 12:38:52
